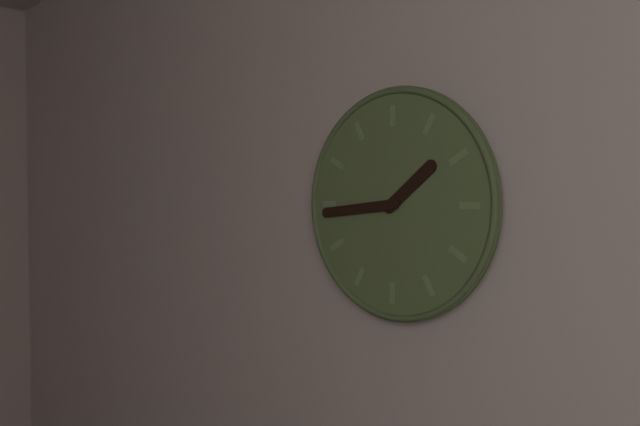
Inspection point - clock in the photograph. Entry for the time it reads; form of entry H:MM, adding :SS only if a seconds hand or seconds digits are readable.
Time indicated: 1:44
